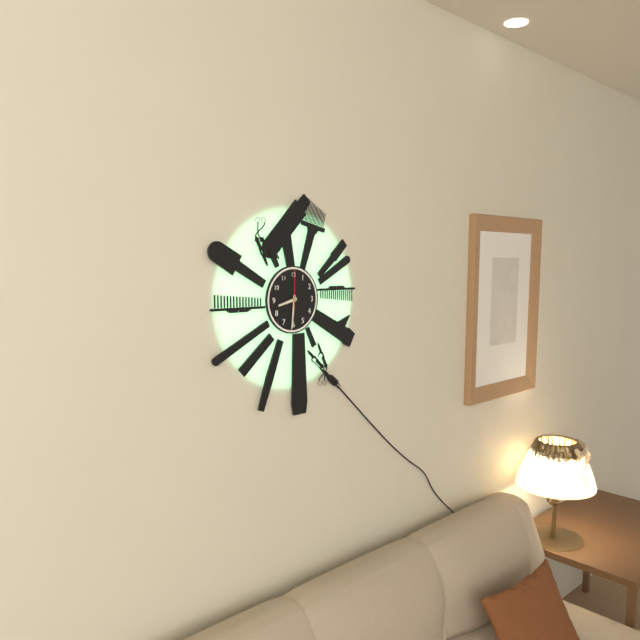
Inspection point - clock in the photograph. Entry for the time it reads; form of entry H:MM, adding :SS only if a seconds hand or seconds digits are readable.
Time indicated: 8:31
